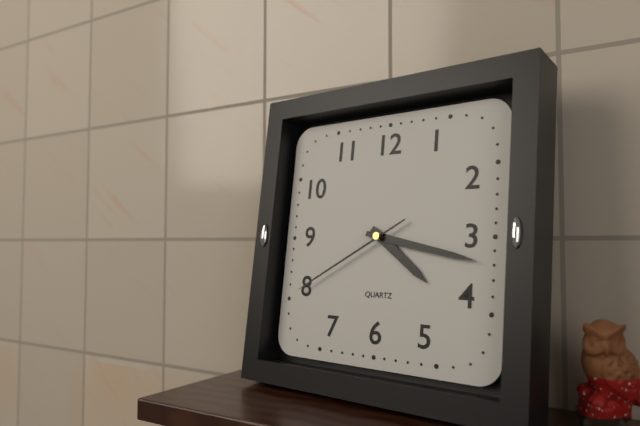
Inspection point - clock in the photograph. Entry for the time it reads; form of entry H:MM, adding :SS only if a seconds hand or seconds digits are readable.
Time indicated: 4:17:40
